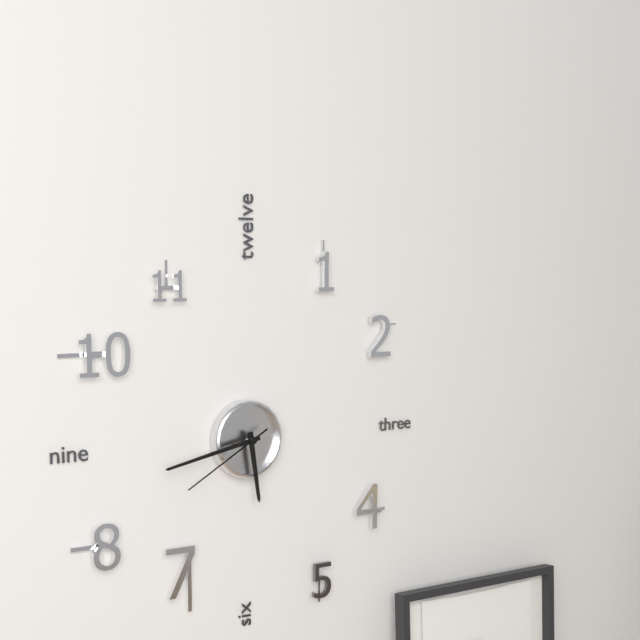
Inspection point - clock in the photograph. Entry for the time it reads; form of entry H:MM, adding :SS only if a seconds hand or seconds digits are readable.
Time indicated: 5:43:40
